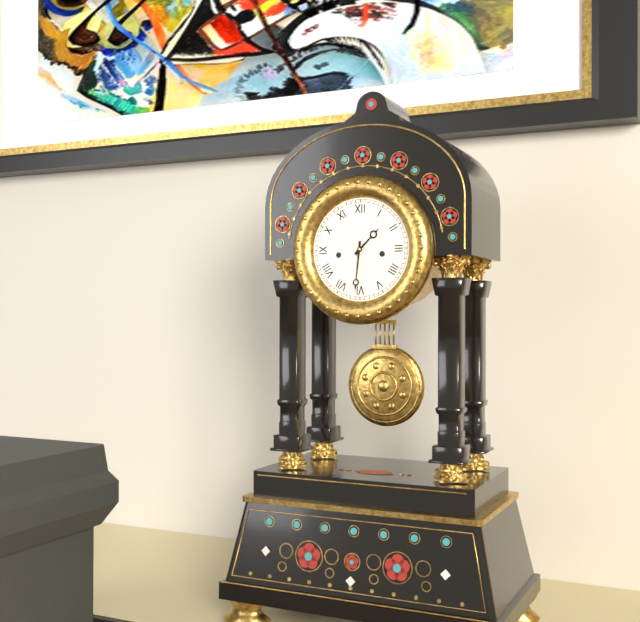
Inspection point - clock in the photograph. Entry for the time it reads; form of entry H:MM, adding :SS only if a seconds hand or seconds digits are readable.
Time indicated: 1:31
